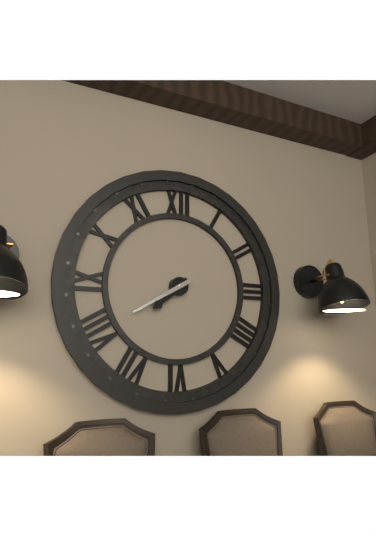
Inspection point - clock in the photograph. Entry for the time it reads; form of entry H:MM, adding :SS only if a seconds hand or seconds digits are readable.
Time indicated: 7:40
